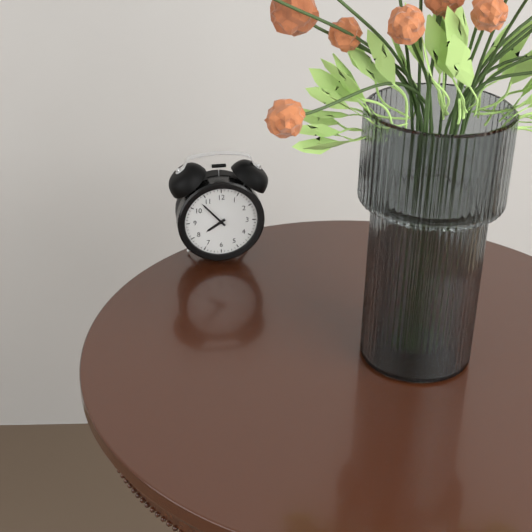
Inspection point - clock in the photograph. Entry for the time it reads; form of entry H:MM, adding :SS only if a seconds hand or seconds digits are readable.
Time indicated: 7:53
